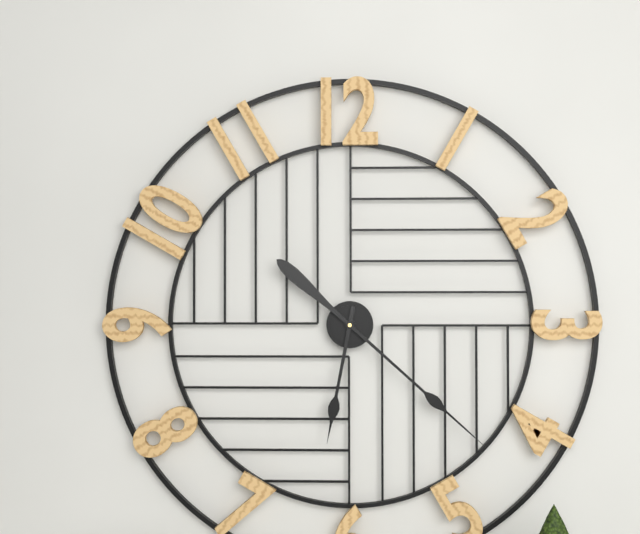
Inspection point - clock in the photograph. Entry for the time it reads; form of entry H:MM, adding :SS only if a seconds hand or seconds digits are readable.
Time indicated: 6:22
